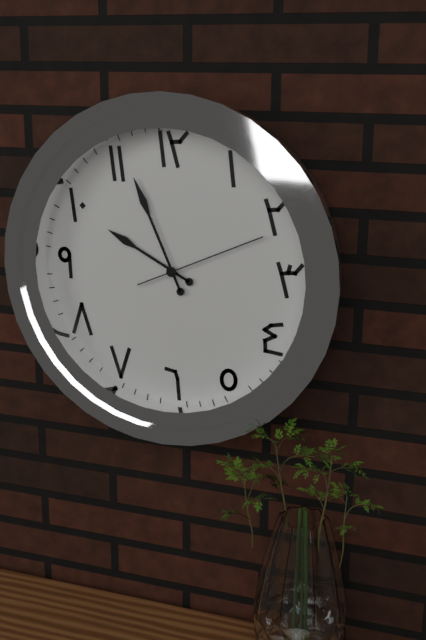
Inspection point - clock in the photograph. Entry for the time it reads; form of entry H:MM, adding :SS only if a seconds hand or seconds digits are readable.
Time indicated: 9:56:11
